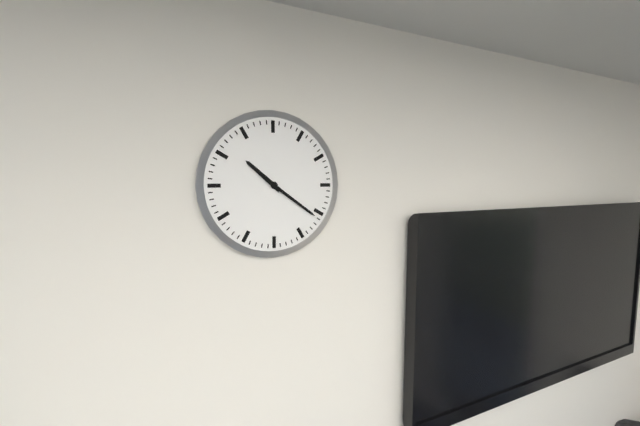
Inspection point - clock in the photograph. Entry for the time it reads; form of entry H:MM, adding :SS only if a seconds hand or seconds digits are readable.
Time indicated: 10:21
